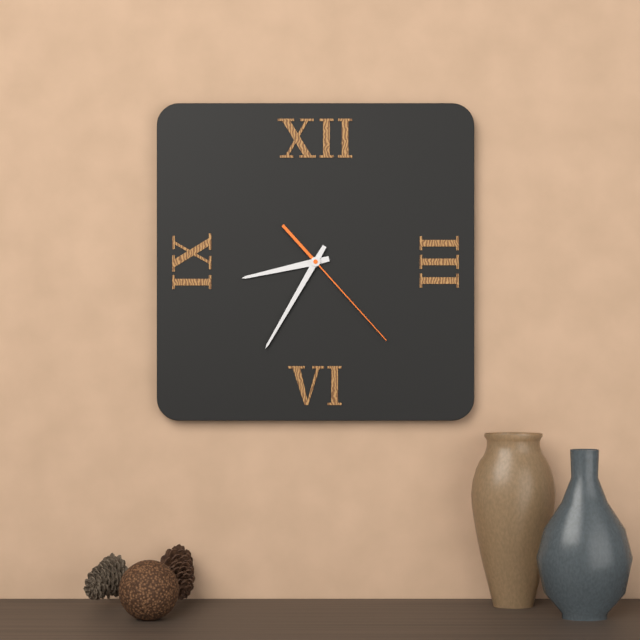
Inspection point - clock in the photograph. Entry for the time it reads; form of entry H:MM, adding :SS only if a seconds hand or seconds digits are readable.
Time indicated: 8:35:23
